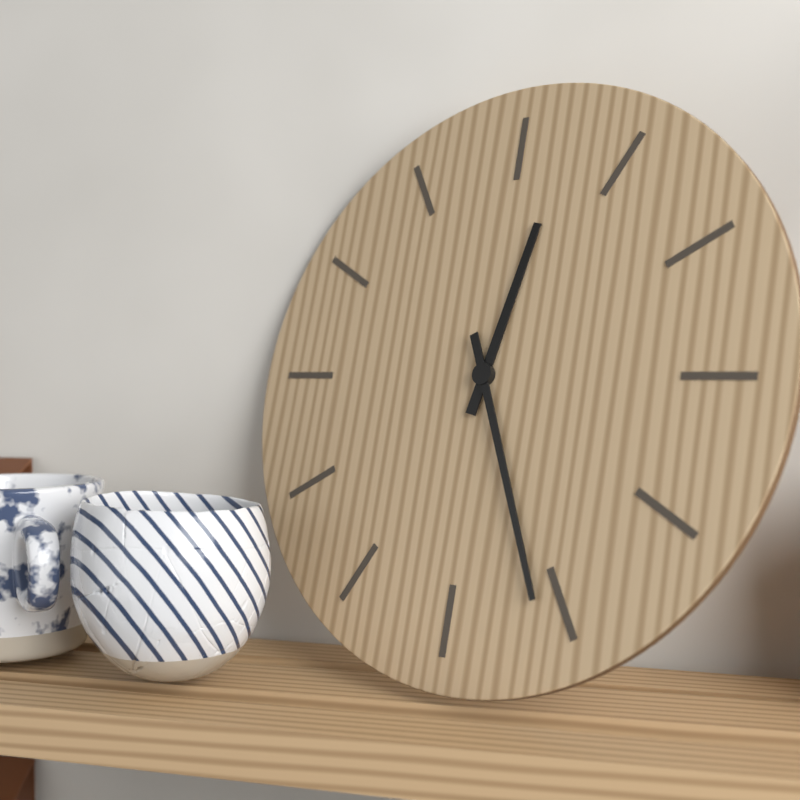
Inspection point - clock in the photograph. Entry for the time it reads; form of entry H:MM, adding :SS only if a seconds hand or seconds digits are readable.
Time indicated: 12:26
